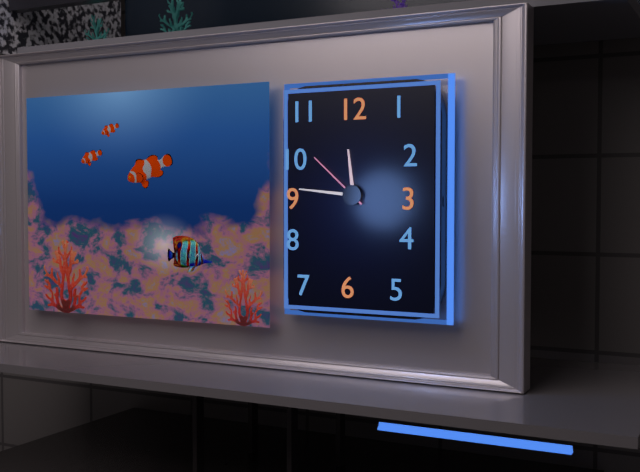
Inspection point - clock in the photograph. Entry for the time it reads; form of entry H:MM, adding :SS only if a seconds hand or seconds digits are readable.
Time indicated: 11:46:52
